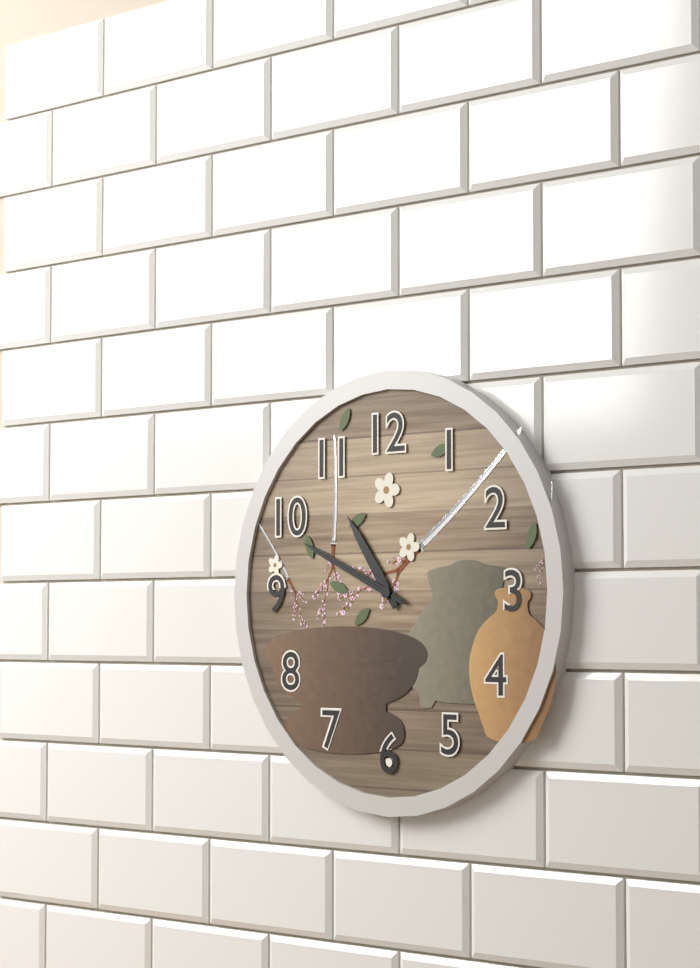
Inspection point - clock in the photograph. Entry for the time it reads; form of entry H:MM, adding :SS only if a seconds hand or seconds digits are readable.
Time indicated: 10:49:49
